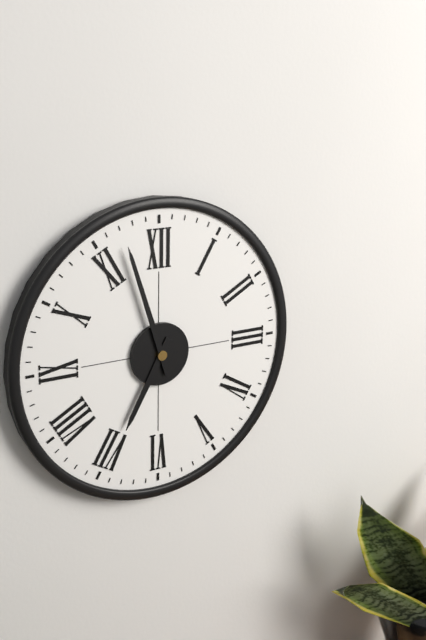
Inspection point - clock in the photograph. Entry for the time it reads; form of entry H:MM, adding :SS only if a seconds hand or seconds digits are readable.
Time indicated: 6:57
